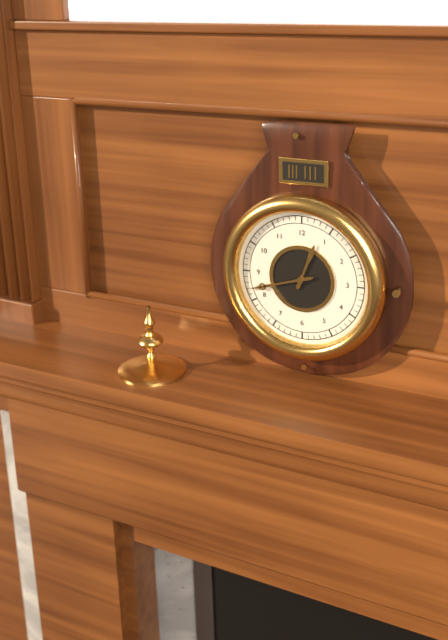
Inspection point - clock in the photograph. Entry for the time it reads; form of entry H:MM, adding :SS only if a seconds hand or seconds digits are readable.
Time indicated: 12:42
